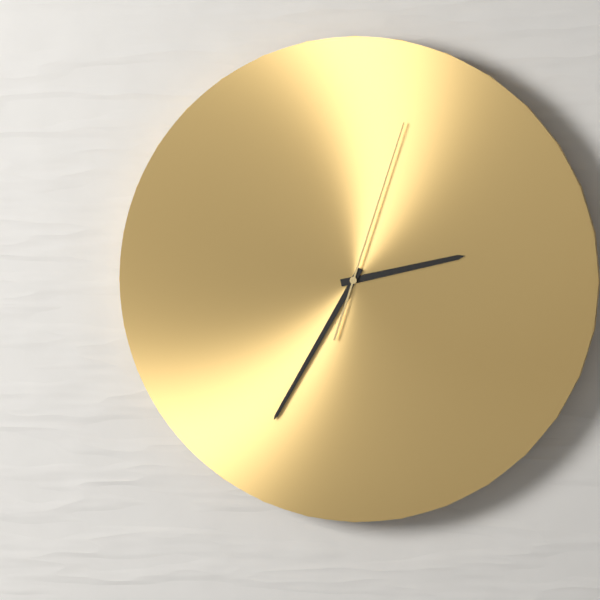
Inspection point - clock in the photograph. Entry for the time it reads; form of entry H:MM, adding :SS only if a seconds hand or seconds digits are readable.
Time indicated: 2:35:03
